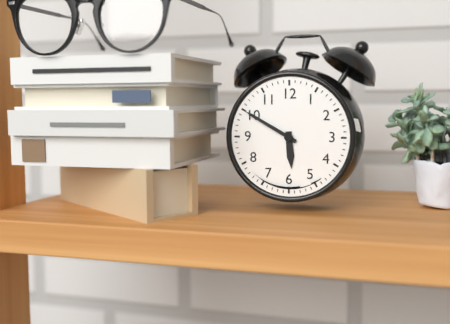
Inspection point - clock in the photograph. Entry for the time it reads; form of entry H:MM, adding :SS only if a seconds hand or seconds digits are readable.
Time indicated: 5:50
